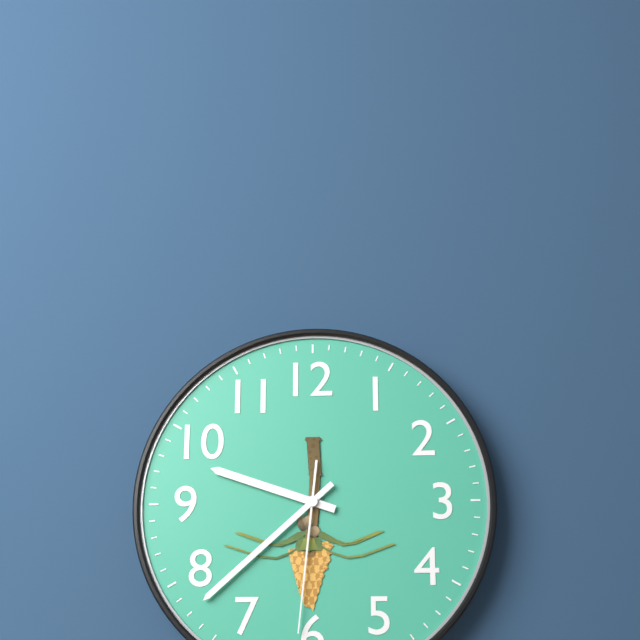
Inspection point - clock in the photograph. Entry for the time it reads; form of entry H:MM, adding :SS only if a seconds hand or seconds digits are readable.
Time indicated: 9:38:31
